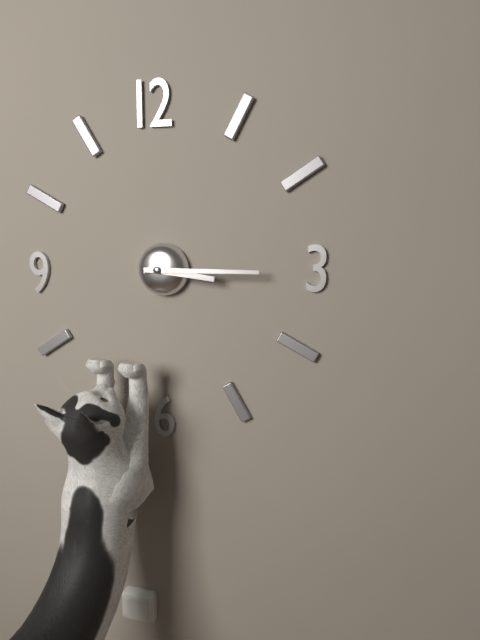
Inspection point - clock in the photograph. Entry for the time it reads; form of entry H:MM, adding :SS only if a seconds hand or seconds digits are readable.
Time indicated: 3:15
